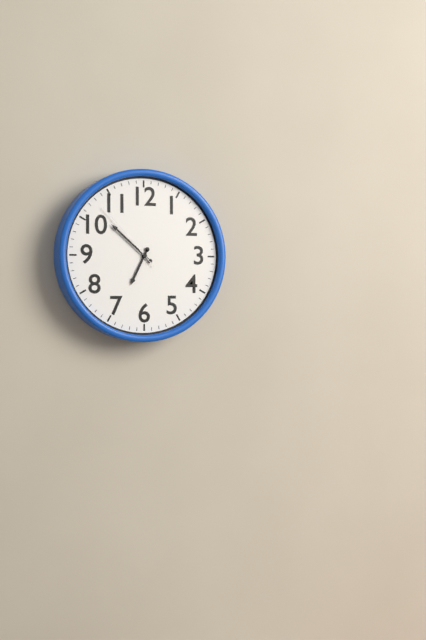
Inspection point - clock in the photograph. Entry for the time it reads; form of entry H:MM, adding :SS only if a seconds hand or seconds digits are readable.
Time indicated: 6:52:53
